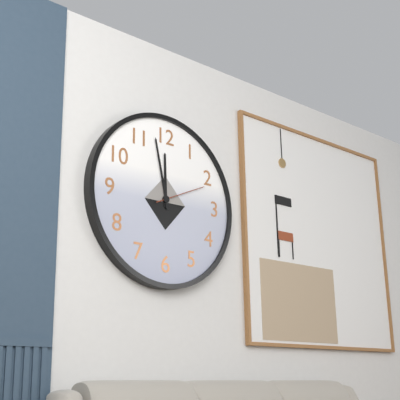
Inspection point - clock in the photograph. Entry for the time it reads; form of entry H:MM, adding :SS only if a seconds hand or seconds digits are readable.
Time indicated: 11:58:11
